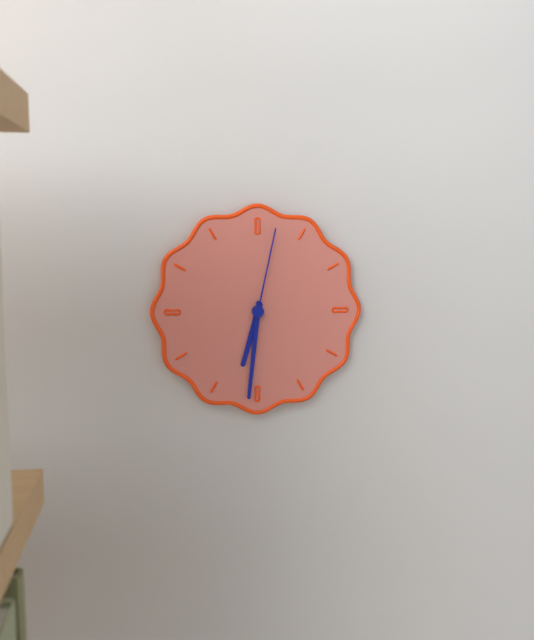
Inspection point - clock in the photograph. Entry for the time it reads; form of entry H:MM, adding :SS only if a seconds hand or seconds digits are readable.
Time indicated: 6:31:02
